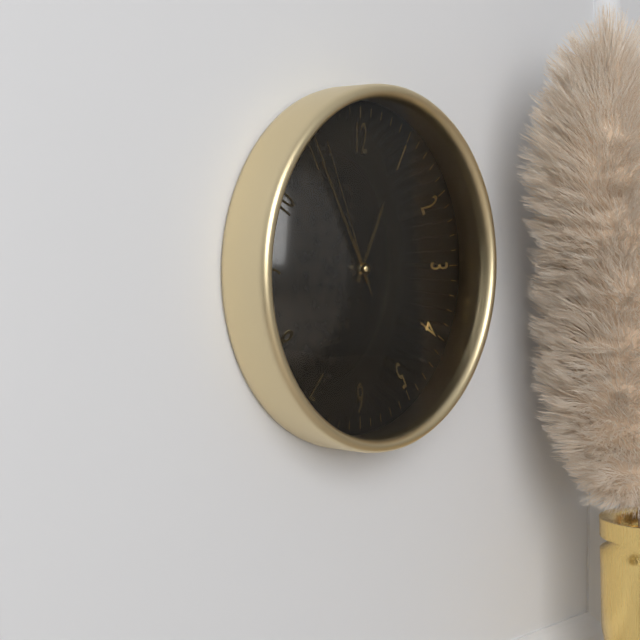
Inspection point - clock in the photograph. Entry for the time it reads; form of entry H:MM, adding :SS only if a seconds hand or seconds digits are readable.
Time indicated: 12:55:56
